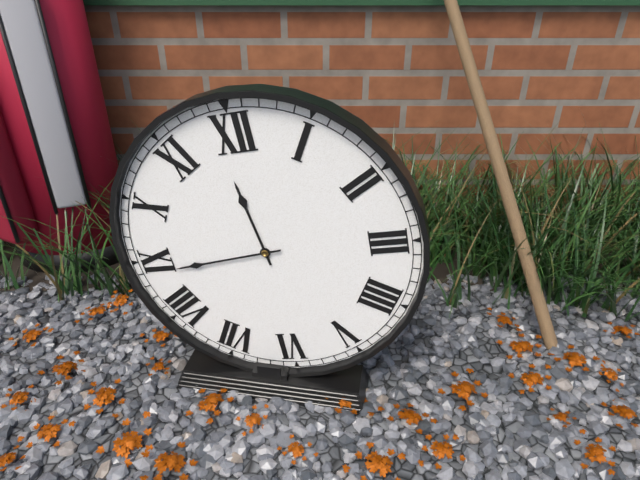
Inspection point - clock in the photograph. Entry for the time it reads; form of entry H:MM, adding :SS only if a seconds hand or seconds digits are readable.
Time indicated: 11:44
